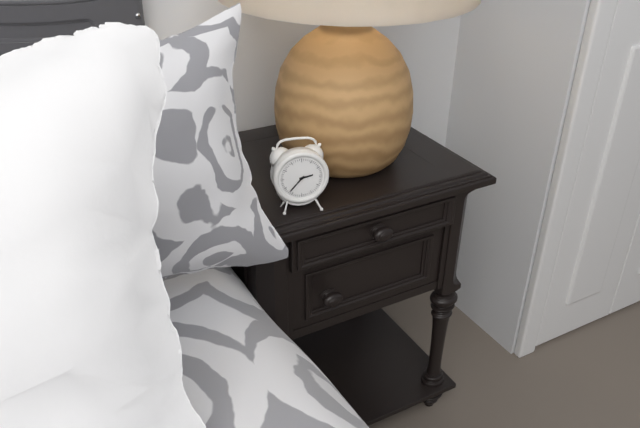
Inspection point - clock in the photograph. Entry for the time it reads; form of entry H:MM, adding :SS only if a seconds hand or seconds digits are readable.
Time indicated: 2:37
